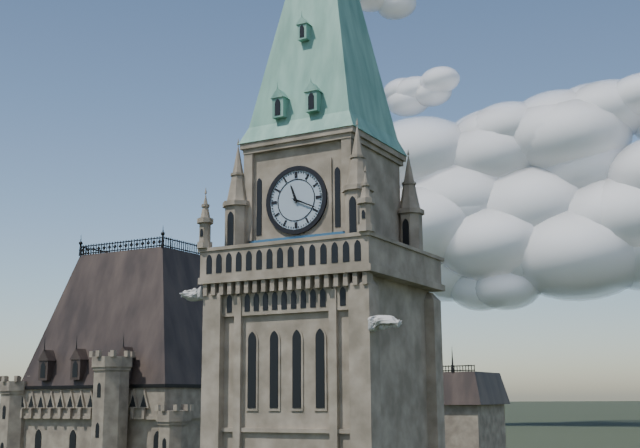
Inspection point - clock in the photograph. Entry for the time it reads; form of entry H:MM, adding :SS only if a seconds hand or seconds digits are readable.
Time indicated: 11:19
